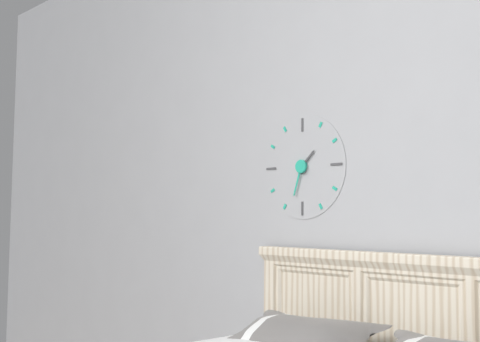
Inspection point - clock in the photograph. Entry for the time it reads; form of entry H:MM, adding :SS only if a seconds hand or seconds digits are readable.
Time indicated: 1:33
